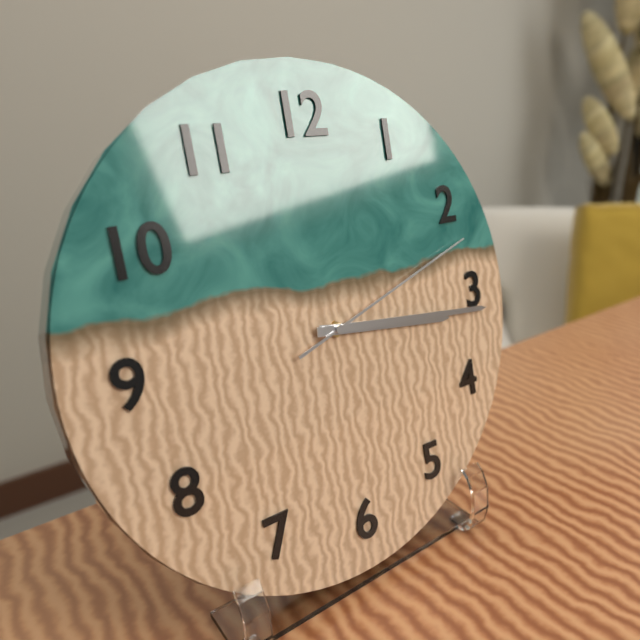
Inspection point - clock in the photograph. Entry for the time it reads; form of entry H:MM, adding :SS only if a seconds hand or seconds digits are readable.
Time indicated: 3:16:12
